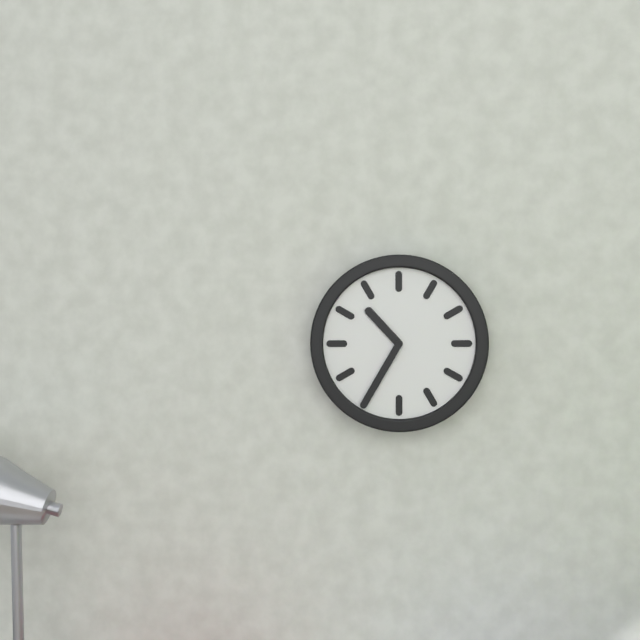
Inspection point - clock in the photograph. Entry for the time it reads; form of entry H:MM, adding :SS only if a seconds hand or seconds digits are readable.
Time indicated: 10:35
